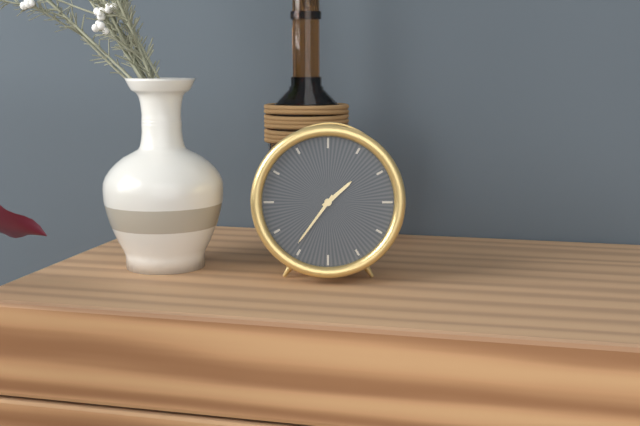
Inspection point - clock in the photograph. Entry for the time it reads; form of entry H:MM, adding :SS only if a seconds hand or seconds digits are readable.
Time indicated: 1:36
